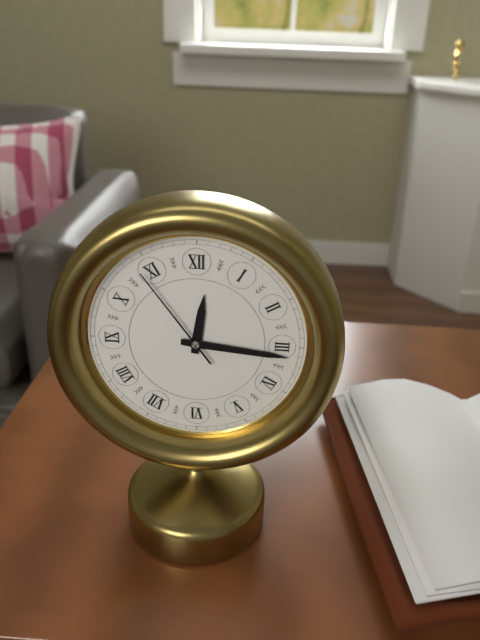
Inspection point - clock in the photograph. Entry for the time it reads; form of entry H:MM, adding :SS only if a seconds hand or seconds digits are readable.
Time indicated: 12:16:54
